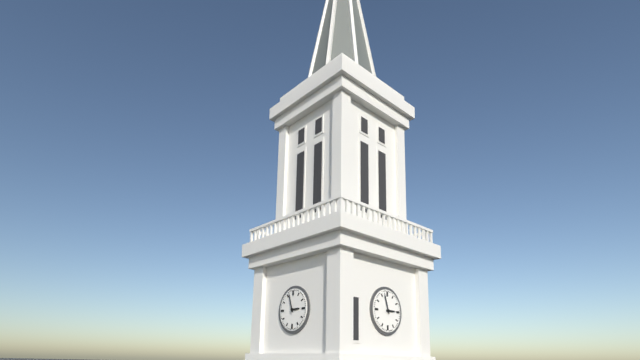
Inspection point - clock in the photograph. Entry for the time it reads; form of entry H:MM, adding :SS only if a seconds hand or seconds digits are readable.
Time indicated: 2:57
